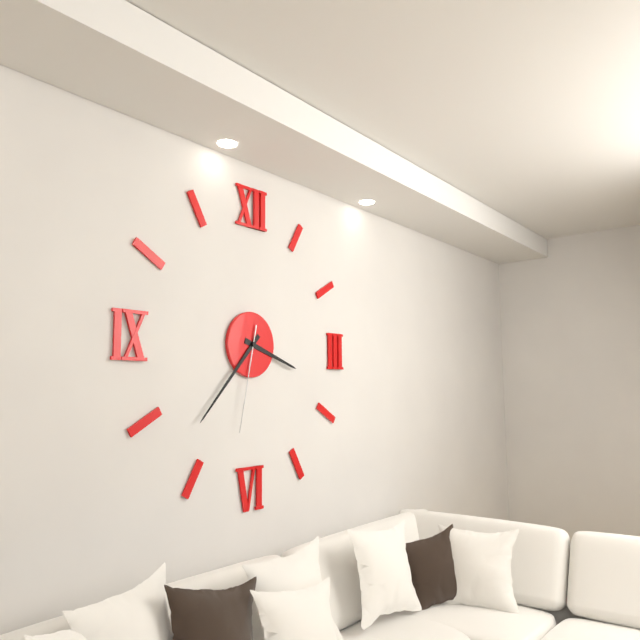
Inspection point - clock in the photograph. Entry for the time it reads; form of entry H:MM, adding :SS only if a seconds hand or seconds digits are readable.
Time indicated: 3:37:32
